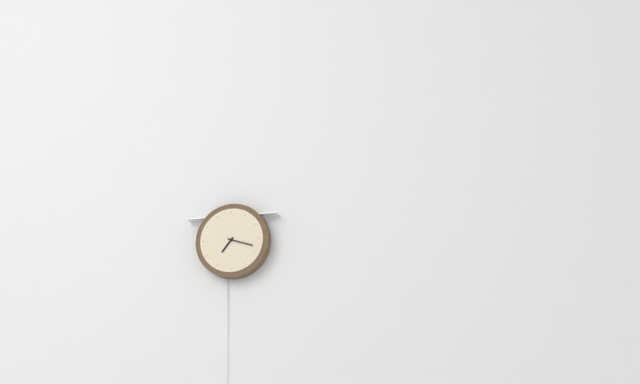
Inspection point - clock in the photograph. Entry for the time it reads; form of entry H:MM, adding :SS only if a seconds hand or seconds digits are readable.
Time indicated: 7:18
